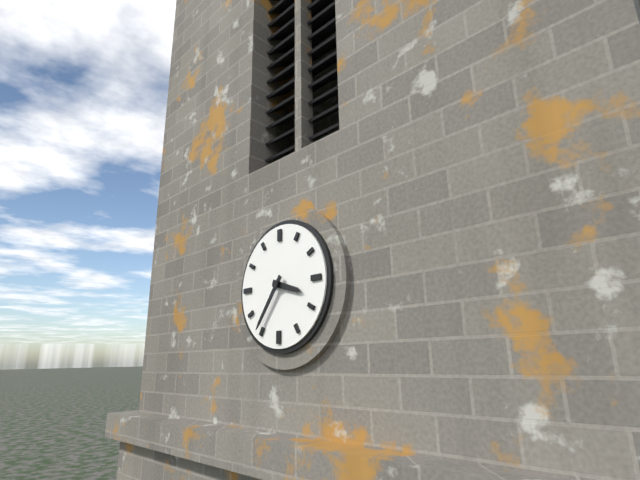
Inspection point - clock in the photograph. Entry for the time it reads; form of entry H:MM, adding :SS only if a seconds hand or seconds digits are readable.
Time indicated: 3:36
